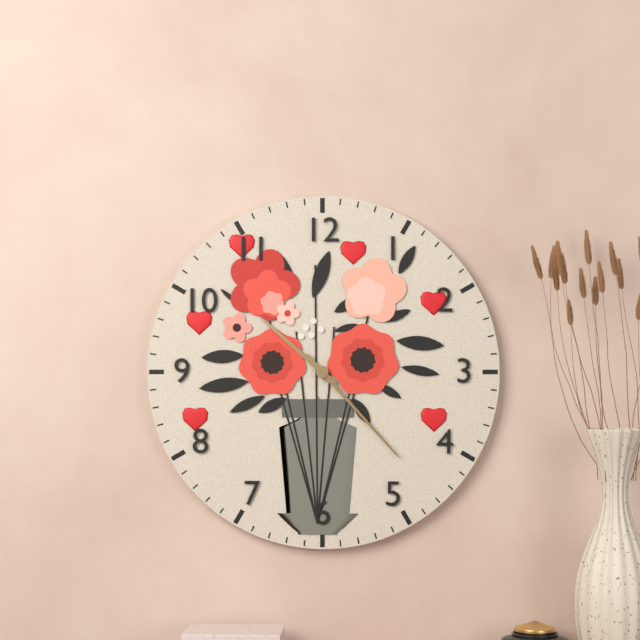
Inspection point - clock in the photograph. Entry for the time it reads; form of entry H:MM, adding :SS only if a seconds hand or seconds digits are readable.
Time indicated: 10:23
